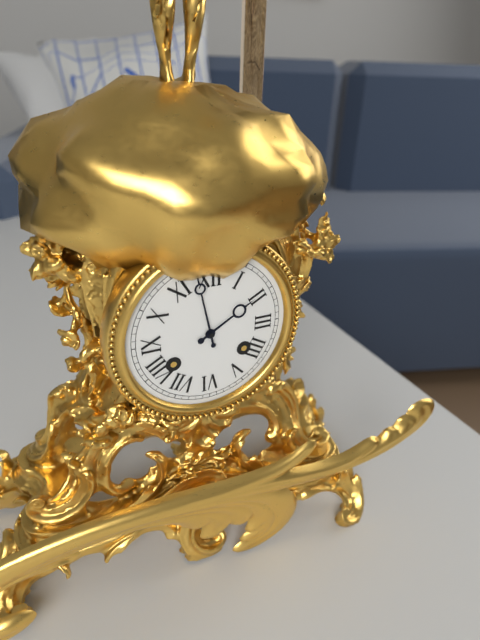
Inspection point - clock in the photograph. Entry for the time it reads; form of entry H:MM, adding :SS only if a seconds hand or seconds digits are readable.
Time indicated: 1:58
